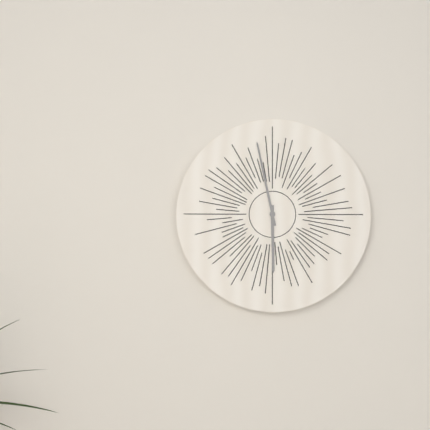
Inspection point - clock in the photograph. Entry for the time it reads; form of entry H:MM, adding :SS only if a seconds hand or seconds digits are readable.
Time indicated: 5:58
